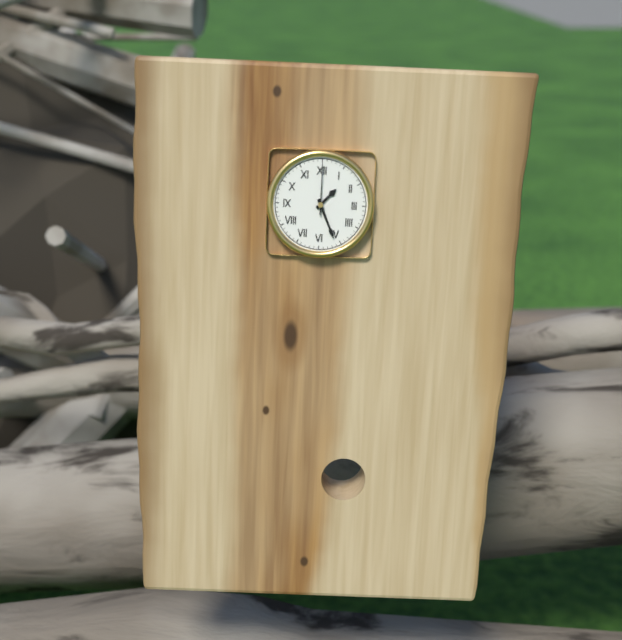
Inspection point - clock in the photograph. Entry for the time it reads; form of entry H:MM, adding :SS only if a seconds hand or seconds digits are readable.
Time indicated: 1:26:00
